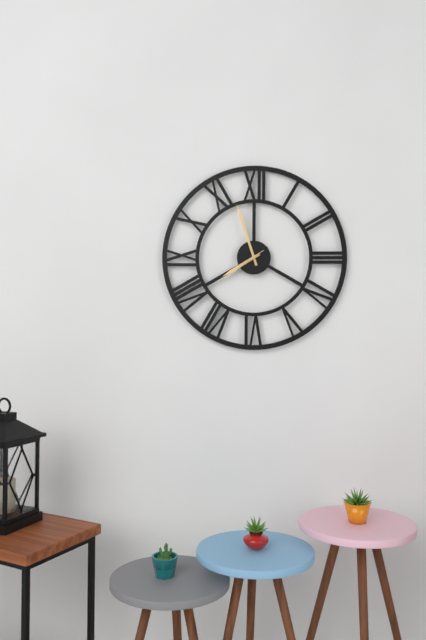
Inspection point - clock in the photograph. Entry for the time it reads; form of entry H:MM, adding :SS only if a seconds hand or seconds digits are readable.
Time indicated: 7:57:39
